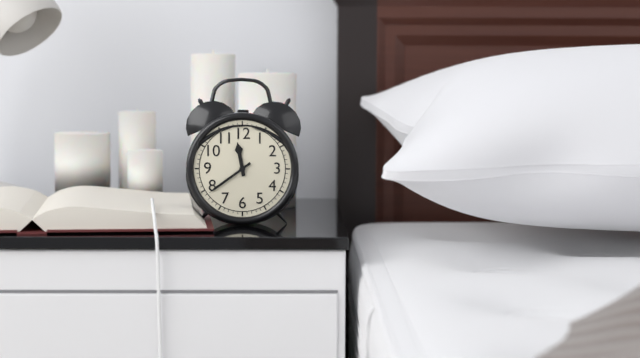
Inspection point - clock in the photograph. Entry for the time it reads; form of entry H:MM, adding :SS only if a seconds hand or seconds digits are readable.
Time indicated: 11:39
